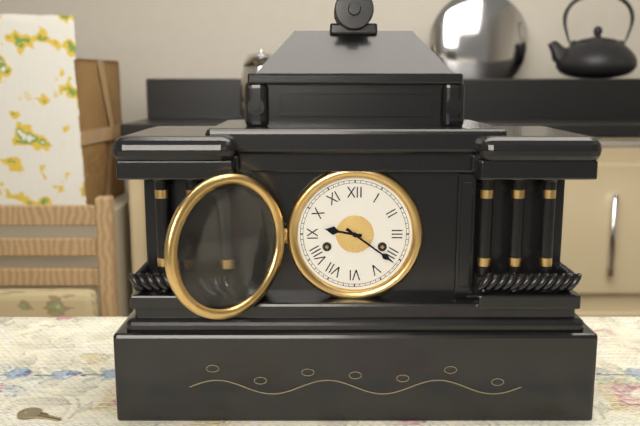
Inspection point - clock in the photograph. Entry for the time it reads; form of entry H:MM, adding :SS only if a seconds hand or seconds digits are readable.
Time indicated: 9:21
